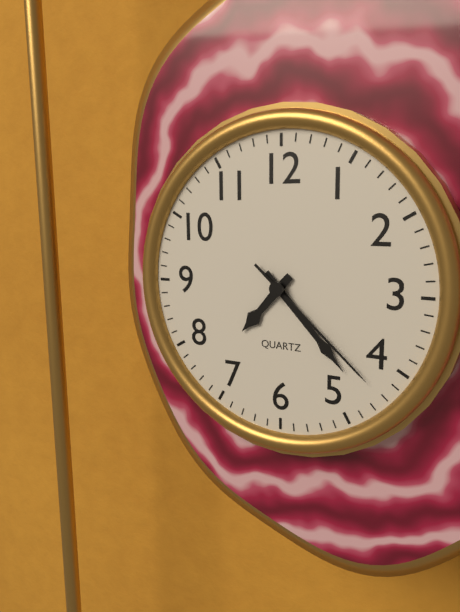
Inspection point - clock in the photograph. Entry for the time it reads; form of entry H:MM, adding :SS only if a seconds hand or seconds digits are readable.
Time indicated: 7:23:22
